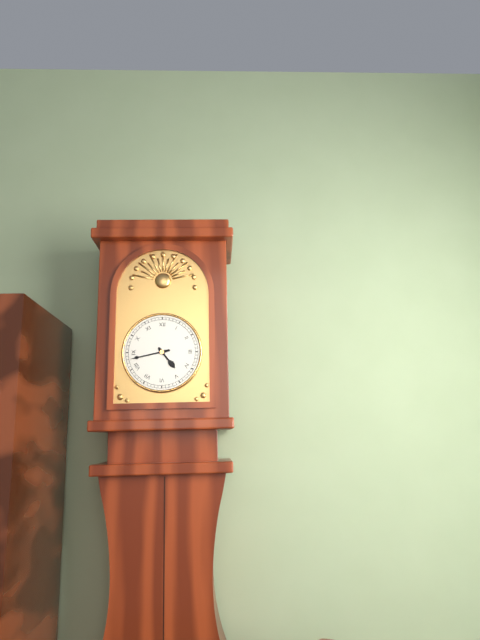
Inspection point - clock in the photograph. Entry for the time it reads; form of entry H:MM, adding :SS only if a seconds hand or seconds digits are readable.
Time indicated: 4:43
